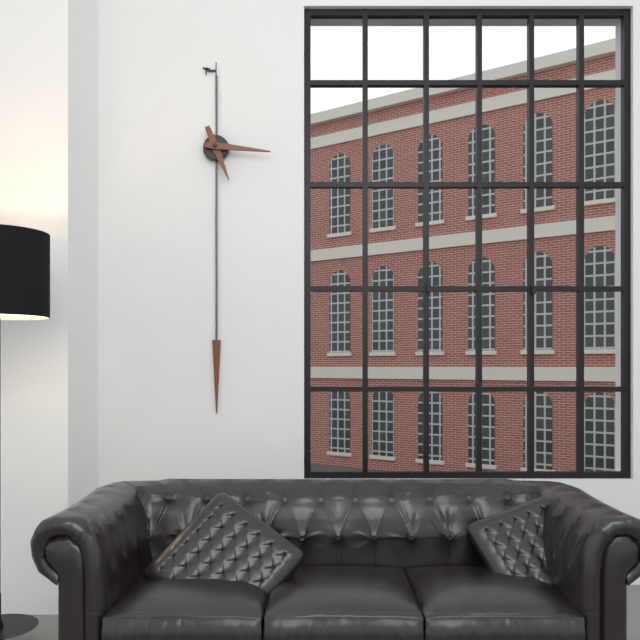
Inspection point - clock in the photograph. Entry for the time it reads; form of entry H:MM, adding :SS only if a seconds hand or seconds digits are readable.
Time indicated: 5:16
